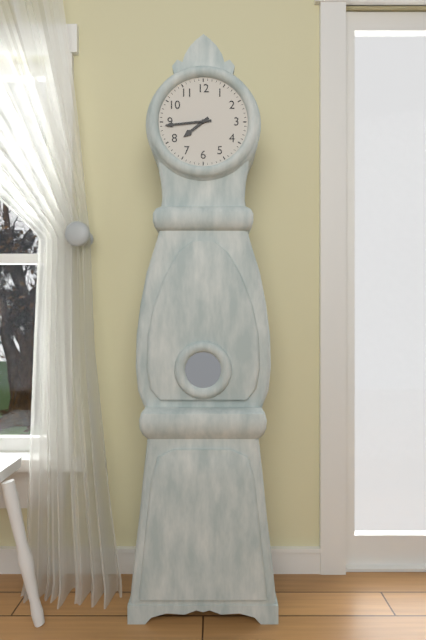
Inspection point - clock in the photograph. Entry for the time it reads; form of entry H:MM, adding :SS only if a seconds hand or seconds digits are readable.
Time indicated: 7:44
